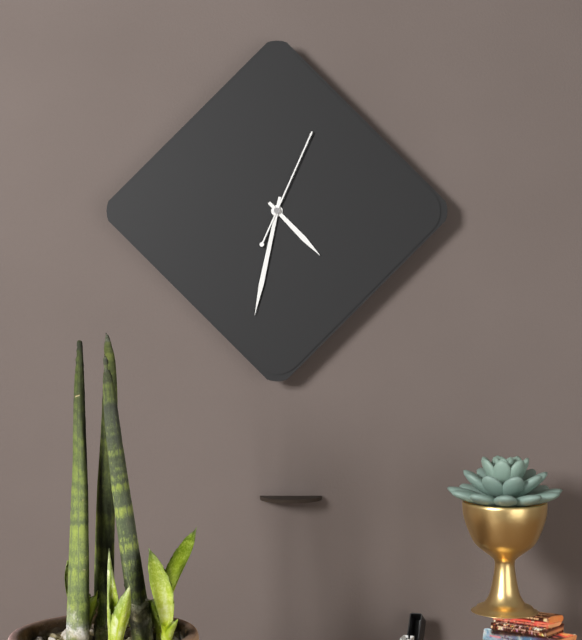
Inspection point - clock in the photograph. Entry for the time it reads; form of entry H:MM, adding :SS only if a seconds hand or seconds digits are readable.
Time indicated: 4:32:04
